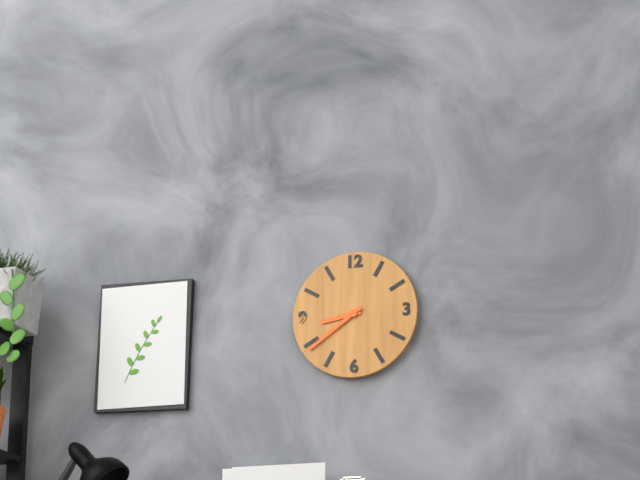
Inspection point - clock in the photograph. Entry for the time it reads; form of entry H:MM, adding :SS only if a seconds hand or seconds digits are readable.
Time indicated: 8:39
